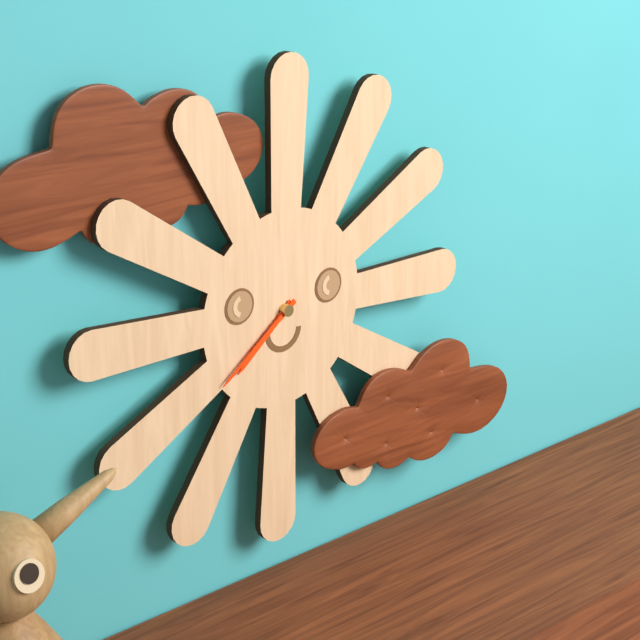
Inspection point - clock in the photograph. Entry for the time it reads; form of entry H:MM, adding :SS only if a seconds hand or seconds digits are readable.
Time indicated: 7:39
